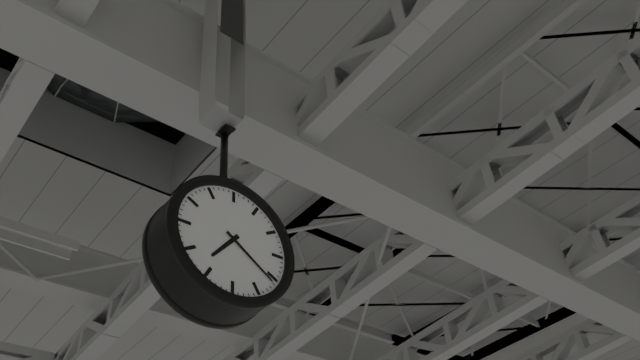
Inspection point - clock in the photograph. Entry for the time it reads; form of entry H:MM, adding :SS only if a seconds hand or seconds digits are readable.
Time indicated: 7:21
